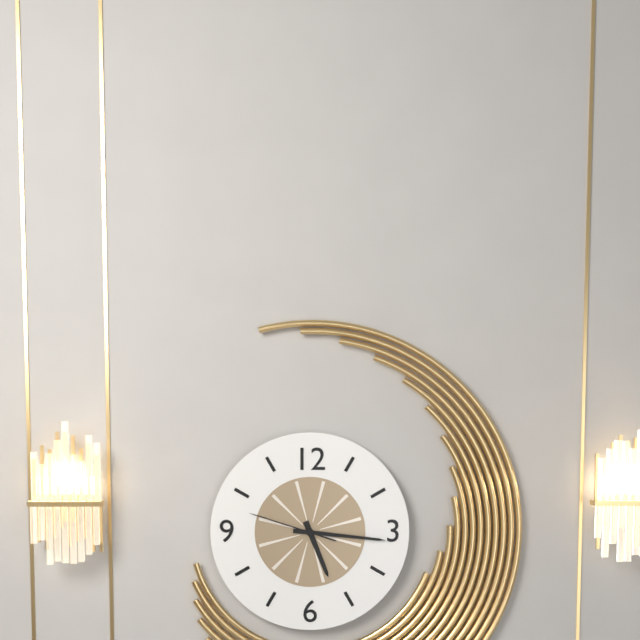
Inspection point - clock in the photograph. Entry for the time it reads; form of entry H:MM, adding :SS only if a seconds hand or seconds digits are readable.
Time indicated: 5:16:48
